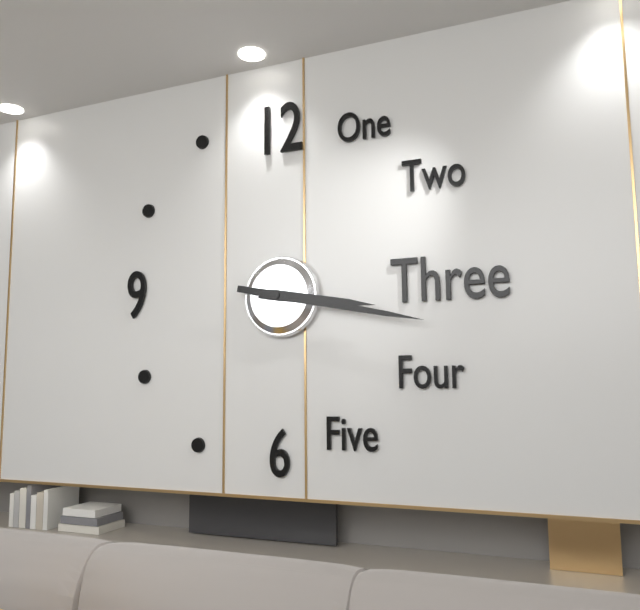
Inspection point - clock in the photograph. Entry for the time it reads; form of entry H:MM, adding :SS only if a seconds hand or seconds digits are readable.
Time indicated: 3:17
